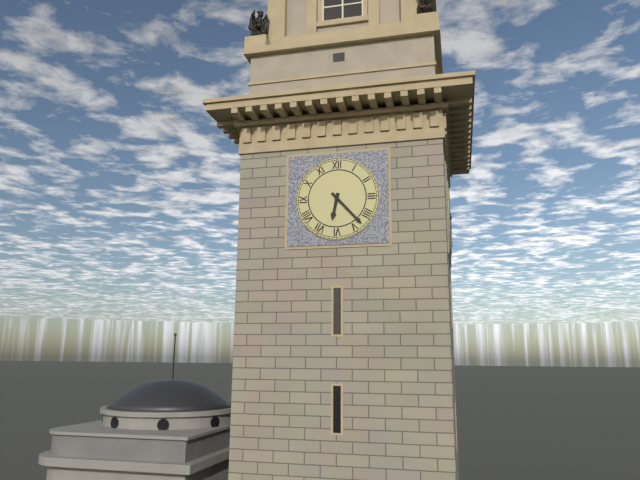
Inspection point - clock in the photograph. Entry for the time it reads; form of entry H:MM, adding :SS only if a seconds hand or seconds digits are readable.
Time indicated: 6:23
